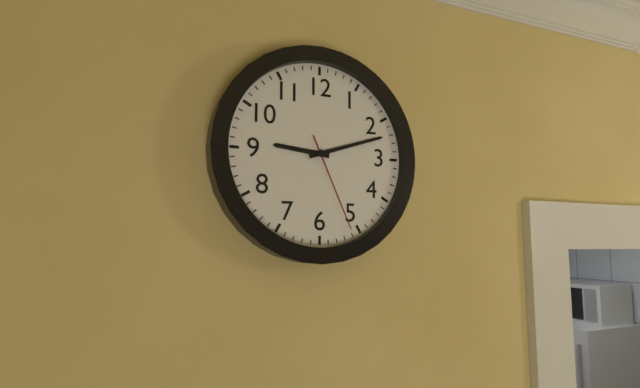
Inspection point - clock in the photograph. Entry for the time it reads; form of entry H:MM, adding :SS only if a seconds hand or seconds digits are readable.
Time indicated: 9:12:26
